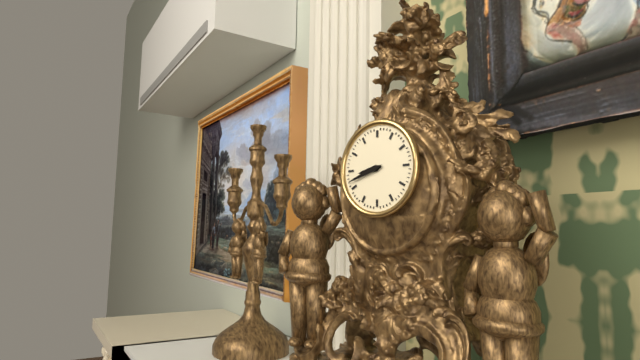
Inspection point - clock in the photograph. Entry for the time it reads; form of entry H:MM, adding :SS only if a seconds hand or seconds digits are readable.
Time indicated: 8:42
